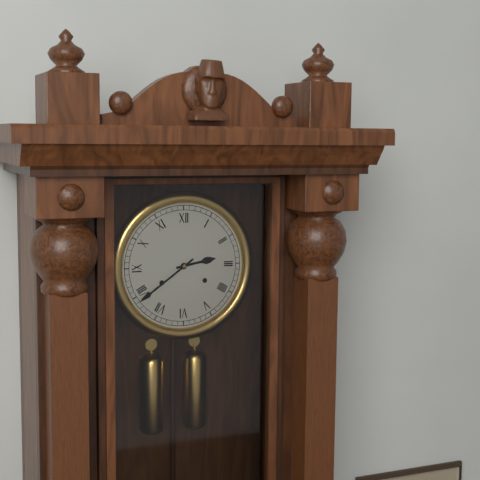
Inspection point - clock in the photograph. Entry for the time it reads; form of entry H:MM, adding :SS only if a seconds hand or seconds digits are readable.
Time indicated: 2:39
